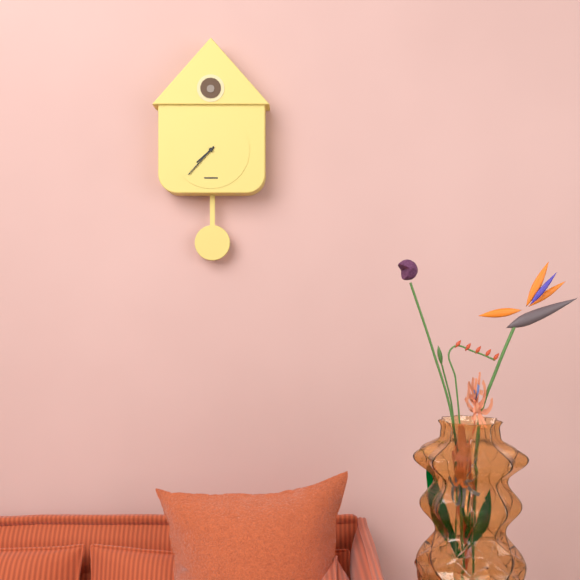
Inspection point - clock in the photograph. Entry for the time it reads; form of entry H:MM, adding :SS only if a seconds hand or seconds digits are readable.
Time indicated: 7:37
